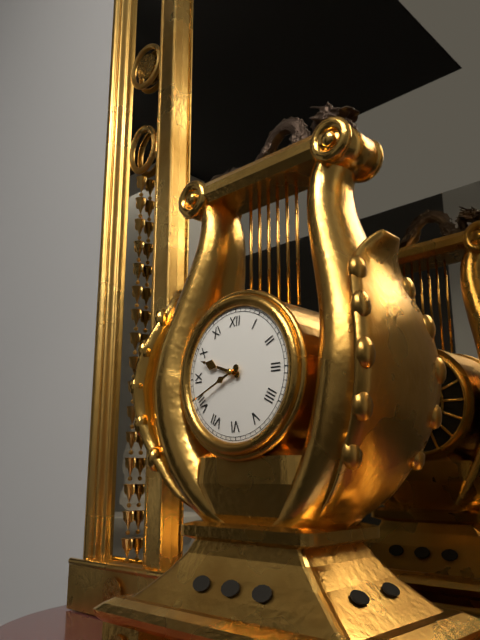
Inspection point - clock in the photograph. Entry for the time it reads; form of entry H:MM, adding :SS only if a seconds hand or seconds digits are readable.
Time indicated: 9:41
